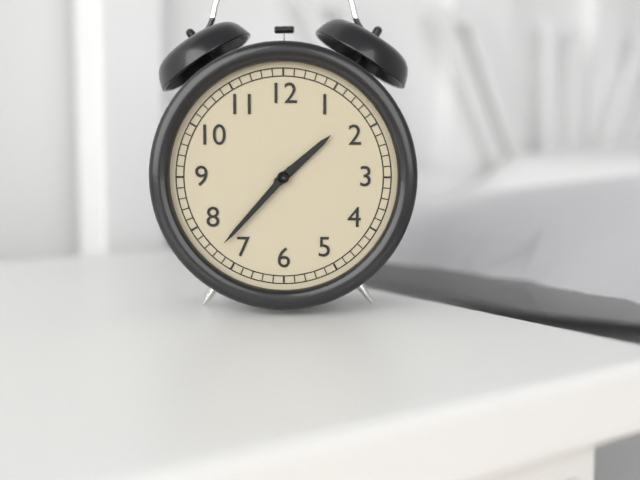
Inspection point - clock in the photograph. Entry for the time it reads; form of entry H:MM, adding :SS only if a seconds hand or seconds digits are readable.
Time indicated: 1:37
